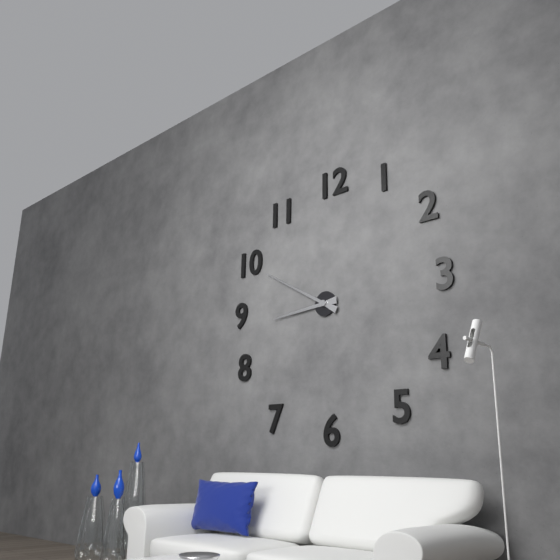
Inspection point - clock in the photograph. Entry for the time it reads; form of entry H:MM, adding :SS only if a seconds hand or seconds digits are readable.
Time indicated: 8:50
